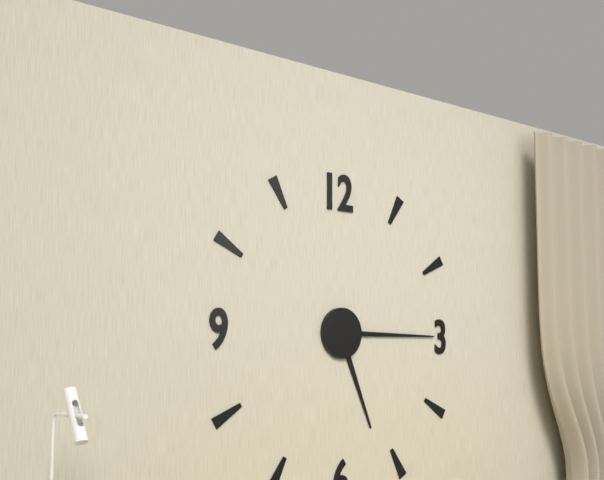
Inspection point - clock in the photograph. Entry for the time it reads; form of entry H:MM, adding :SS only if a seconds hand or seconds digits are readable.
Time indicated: 5:15
